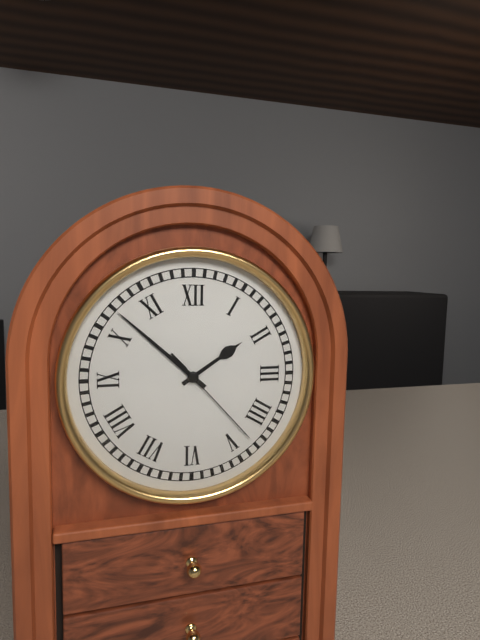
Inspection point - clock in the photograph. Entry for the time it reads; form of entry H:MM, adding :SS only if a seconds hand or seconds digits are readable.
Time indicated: 1:52:23
